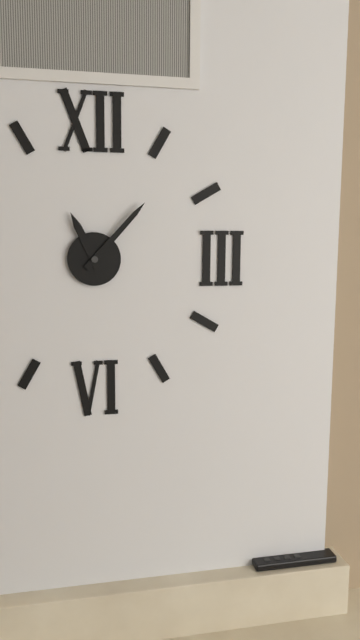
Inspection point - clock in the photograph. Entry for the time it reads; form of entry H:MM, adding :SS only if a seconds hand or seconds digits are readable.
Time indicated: 11:07
